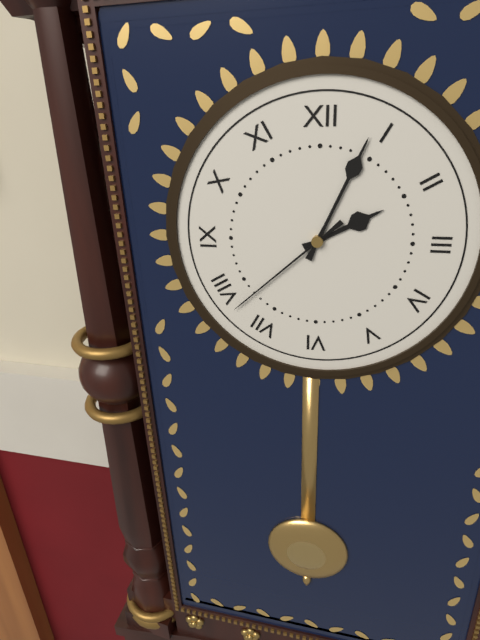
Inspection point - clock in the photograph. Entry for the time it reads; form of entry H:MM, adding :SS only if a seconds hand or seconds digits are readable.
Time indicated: 2:04:38
